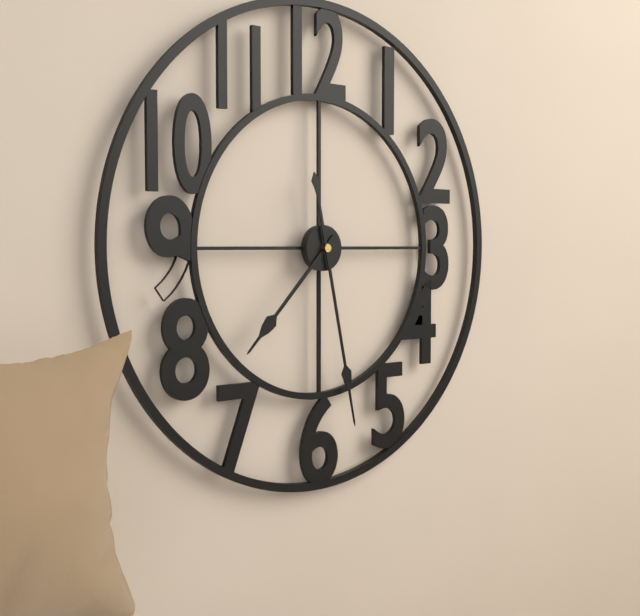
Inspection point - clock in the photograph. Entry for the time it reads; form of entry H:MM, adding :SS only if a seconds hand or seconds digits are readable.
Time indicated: 7:28
